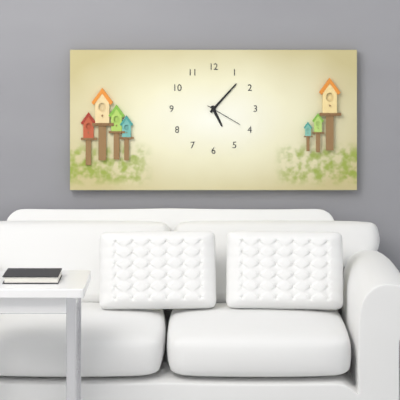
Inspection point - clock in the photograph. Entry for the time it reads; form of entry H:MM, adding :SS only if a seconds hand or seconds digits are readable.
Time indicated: 5:07
